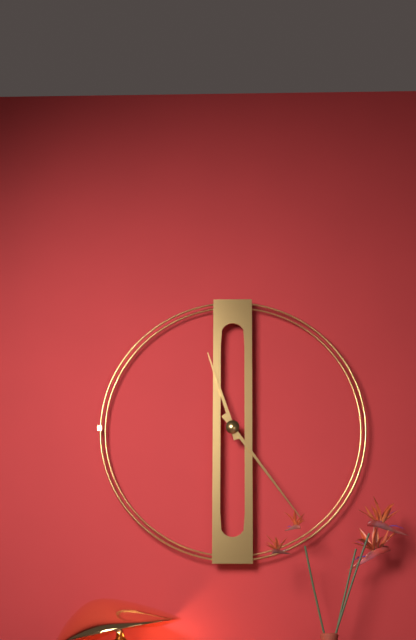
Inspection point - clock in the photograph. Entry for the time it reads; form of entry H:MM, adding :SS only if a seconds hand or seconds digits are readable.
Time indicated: 11:24
